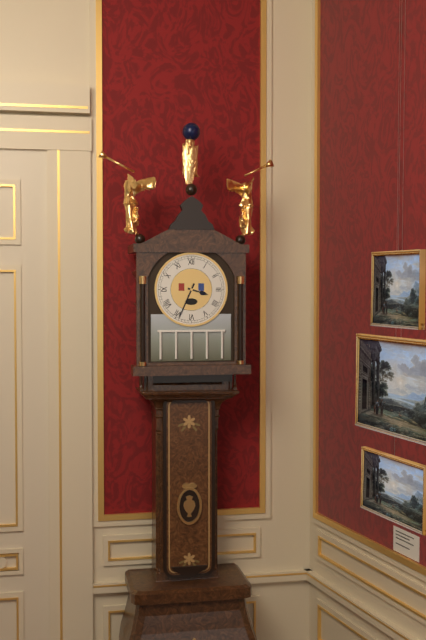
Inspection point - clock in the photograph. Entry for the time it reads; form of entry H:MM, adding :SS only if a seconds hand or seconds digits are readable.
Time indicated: 3:34
